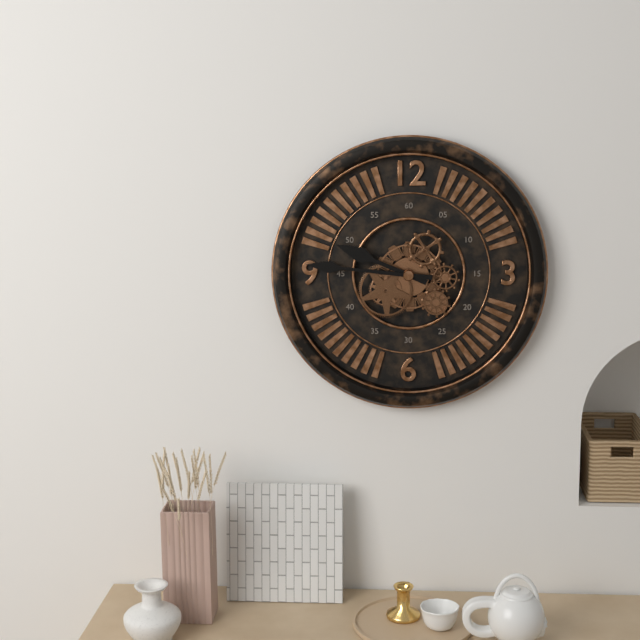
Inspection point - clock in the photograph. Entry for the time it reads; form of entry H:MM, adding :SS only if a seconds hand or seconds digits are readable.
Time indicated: 9:46
